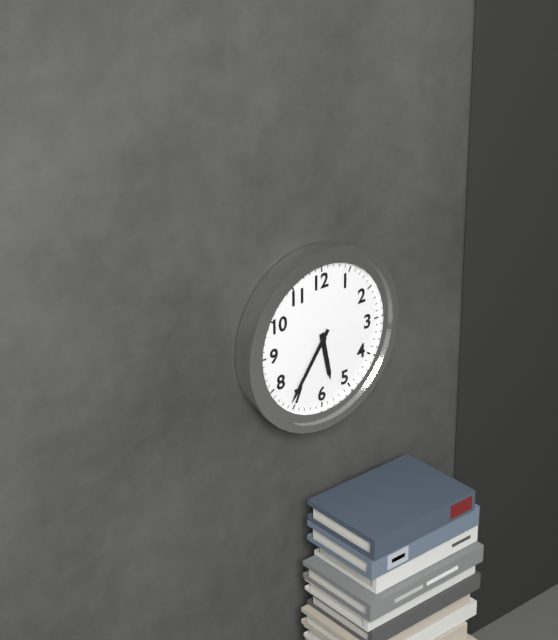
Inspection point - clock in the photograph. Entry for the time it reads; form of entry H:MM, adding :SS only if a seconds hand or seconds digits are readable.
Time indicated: 5:36
